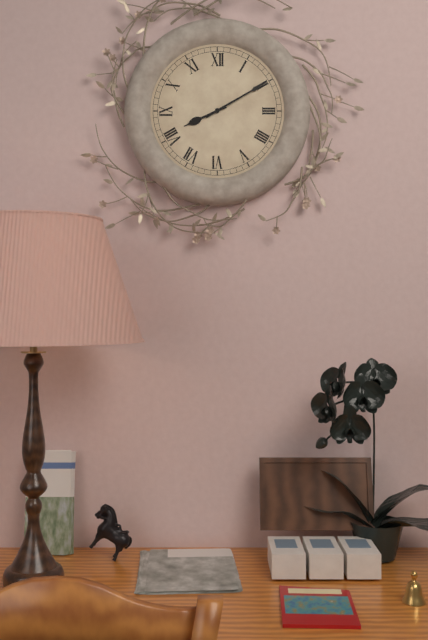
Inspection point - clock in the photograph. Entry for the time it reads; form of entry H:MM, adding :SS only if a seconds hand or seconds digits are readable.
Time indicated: 8:10
